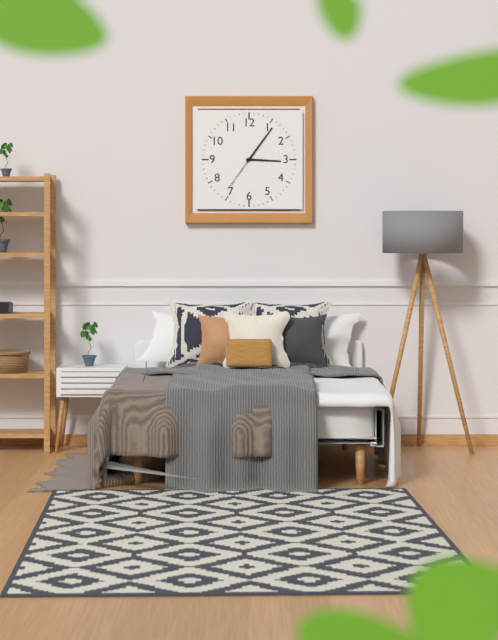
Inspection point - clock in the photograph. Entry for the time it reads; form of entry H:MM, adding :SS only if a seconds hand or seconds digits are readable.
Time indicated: 3:06
